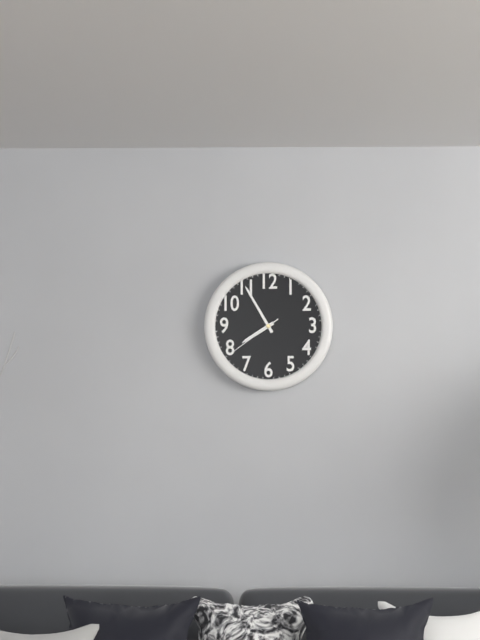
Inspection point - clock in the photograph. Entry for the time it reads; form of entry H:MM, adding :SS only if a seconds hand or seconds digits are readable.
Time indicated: 7:55:39
